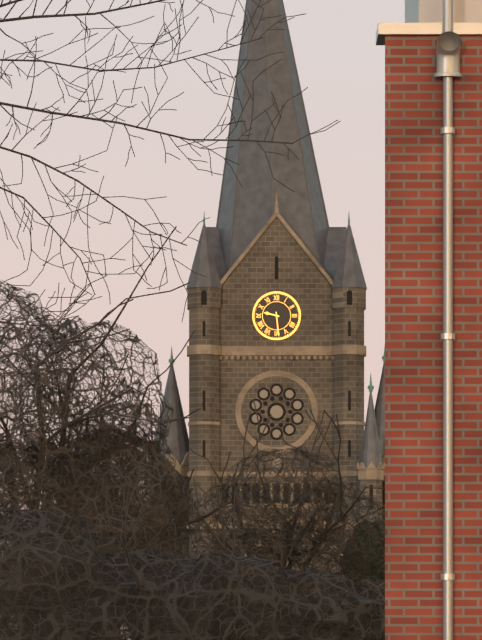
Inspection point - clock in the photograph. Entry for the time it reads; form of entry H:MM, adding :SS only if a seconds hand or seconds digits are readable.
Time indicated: 9:29
